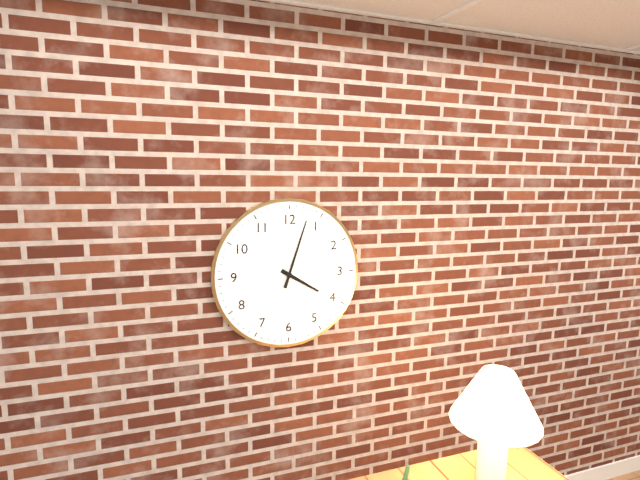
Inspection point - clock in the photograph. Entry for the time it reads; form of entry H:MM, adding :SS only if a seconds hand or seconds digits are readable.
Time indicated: 4:03
